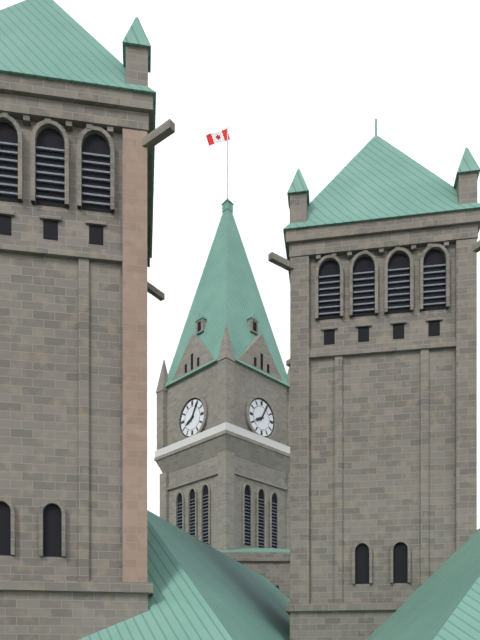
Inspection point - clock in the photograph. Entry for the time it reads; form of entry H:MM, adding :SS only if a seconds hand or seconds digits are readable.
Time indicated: 8:05
